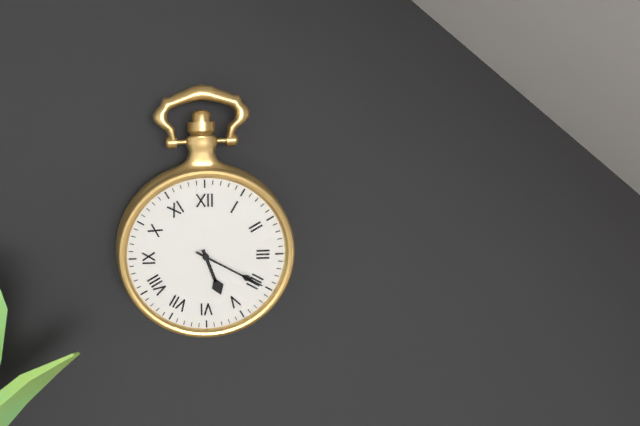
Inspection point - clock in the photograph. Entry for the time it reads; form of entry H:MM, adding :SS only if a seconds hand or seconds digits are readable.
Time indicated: 5:20
